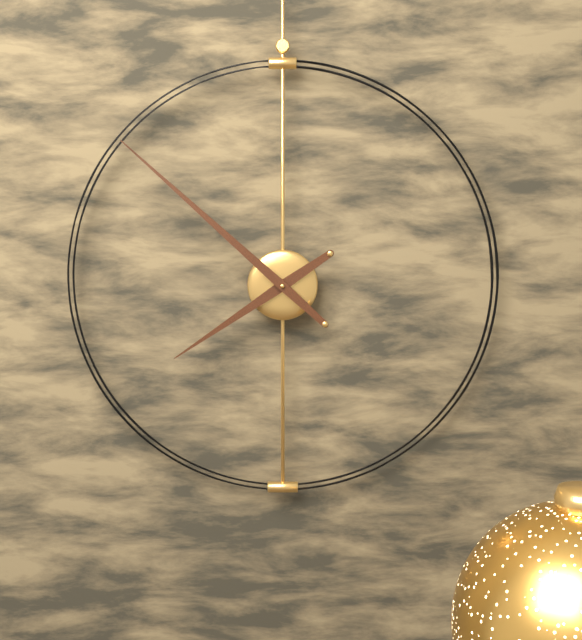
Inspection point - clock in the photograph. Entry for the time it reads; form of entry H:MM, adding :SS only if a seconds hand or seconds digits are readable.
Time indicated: 7:52
